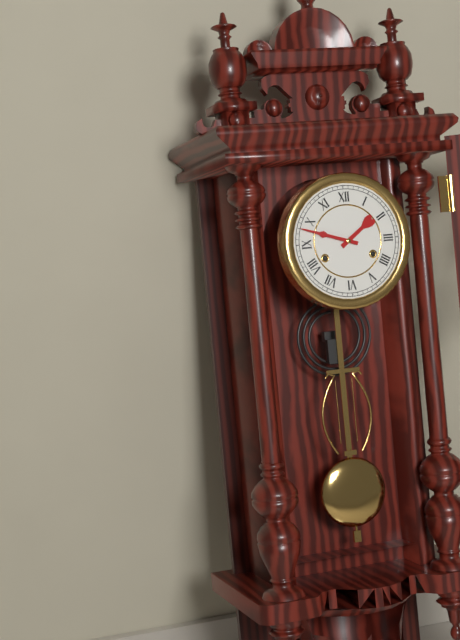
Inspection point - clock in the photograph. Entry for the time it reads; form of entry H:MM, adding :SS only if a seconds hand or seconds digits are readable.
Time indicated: 1:48
